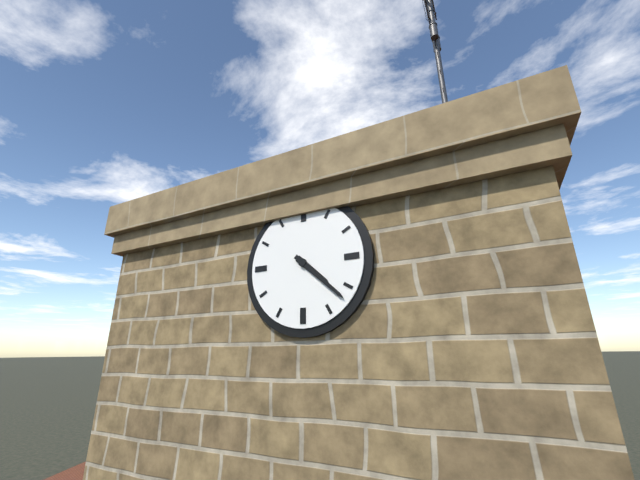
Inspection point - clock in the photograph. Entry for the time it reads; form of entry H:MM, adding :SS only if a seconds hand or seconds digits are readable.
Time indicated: 4:22
